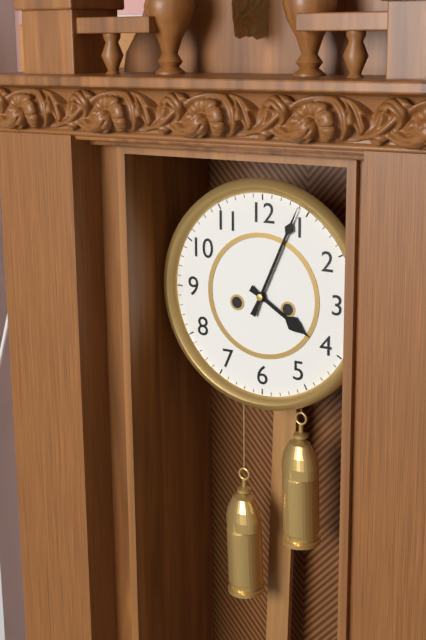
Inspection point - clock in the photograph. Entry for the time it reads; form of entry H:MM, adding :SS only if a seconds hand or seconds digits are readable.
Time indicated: 4:04
